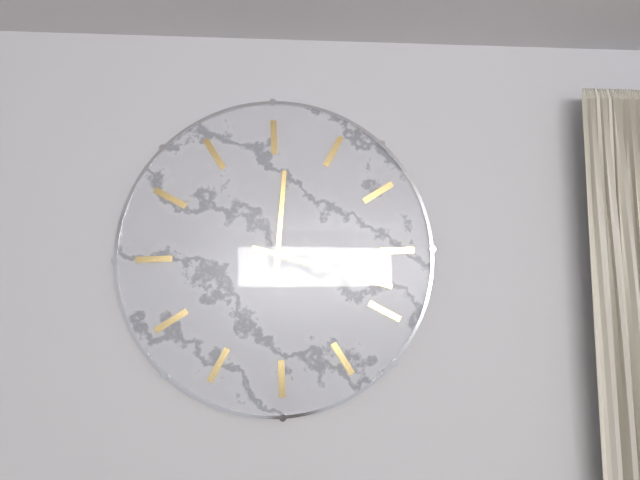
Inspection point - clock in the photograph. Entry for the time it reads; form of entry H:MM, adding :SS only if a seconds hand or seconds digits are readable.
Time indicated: 11:13
